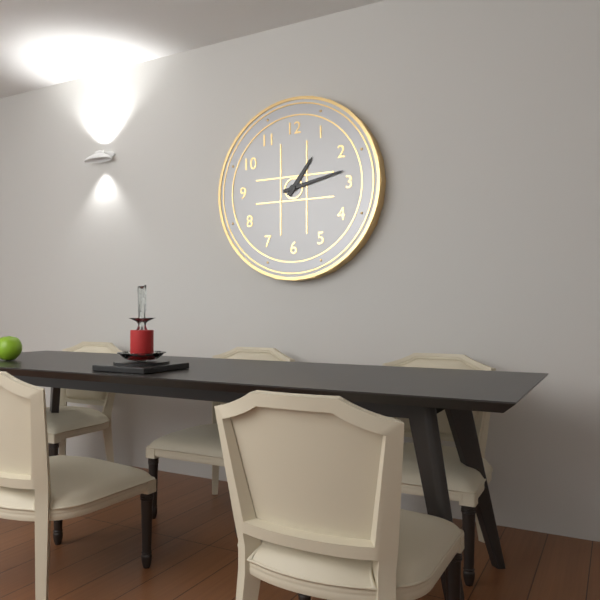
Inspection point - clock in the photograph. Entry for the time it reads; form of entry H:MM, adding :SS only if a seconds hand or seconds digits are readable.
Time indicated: 1:13
